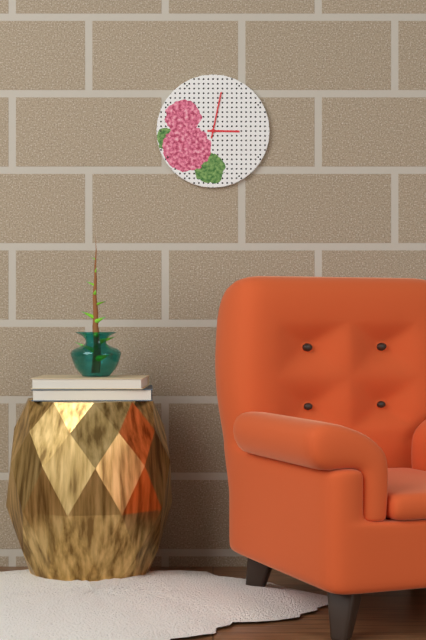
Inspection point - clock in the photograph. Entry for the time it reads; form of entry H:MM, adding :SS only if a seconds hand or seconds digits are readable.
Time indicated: 3:02
